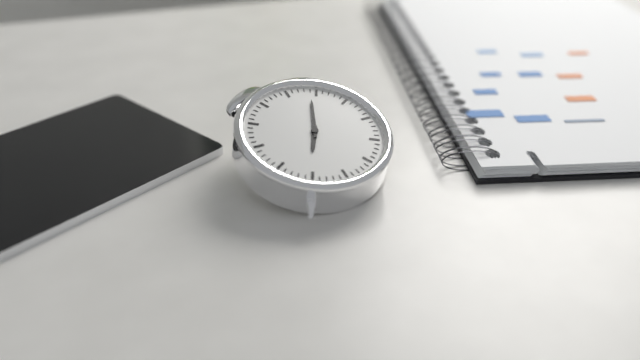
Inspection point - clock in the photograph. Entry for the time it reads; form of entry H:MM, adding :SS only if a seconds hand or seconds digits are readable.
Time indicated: 7:04
